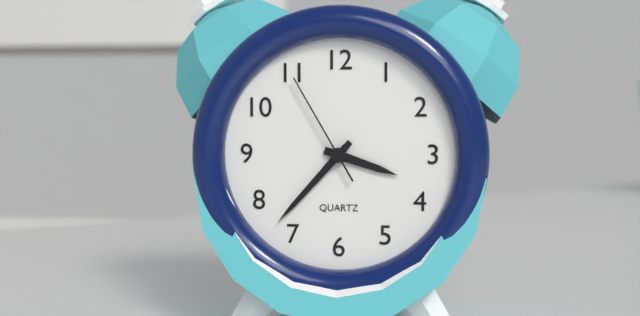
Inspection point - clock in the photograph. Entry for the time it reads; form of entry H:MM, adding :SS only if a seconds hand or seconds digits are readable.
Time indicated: 3:37:55
